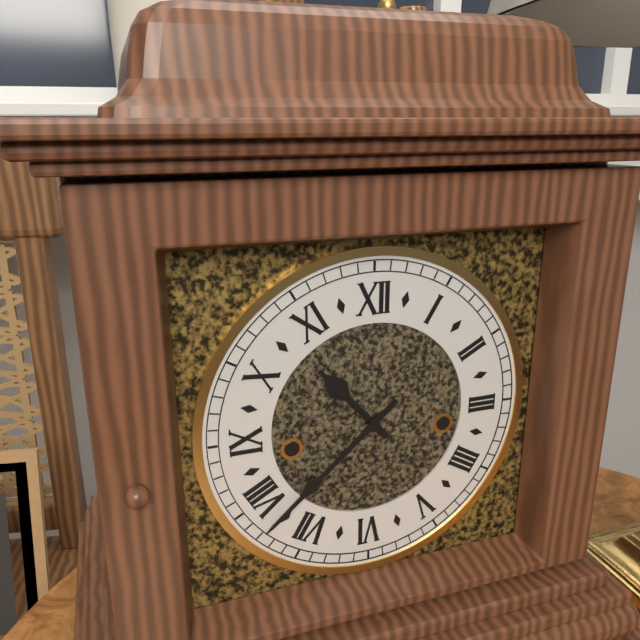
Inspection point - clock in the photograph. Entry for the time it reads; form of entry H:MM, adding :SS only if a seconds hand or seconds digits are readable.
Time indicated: 10:38
